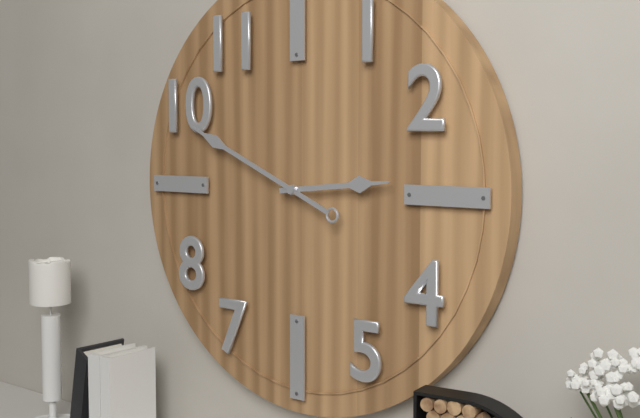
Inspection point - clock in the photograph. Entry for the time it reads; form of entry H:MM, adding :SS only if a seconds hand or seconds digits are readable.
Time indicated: 2:49
